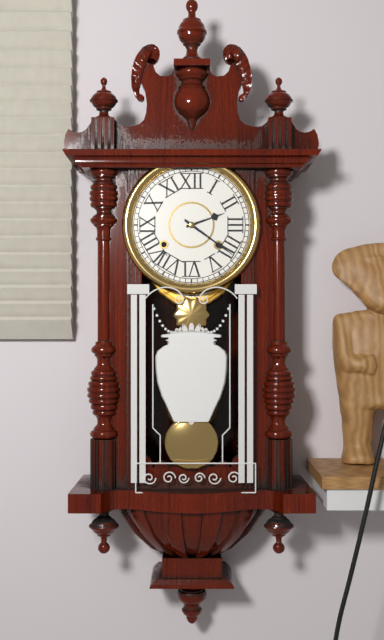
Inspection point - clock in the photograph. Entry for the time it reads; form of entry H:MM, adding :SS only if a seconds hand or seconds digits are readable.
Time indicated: 2:21
